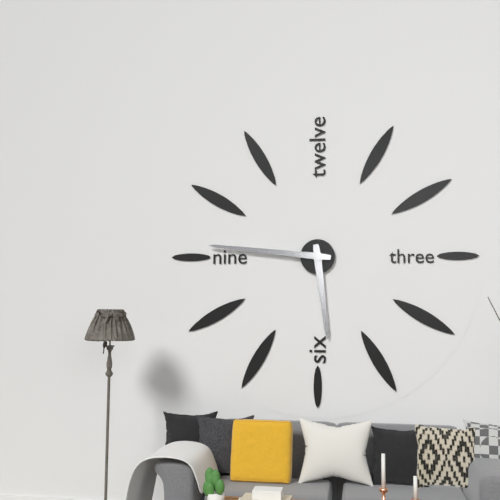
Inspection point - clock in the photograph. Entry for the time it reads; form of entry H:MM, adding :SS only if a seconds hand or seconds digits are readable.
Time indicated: 5:46
